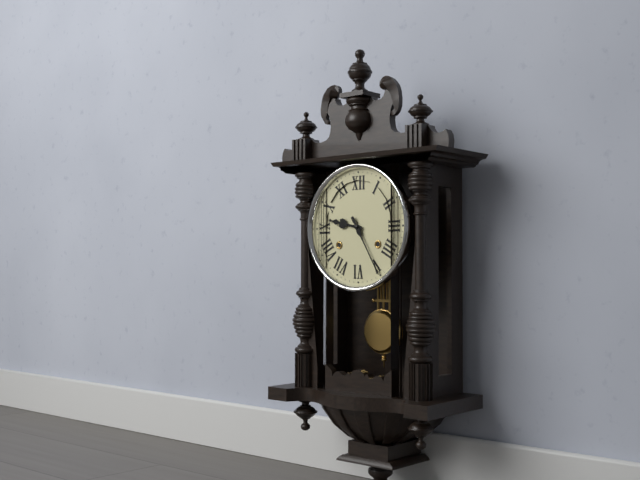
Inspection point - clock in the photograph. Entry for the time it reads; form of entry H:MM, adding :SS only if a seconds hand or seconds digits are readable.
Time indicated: 9:25
